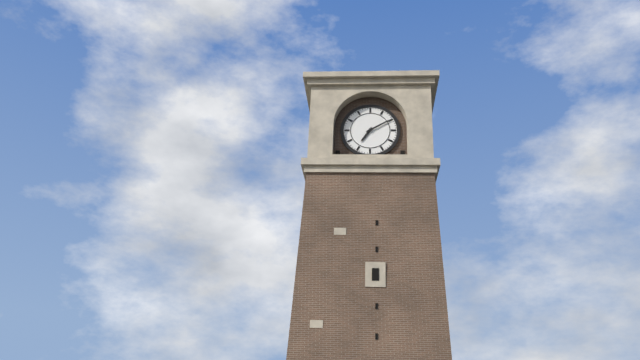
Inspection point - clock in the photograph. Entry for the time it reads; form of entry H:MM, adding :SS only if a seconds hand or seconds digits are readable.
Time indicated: 7:10
